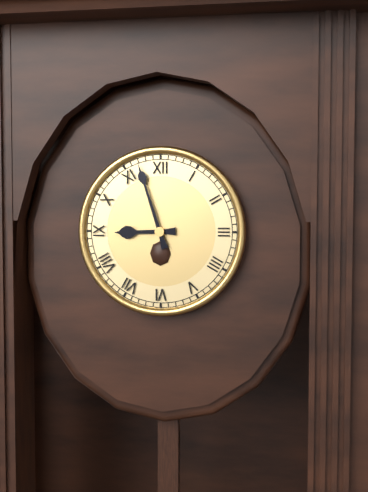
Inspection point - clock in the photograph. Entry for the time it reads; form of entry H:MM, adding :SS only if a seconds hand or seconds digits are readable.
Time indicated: 8:57
